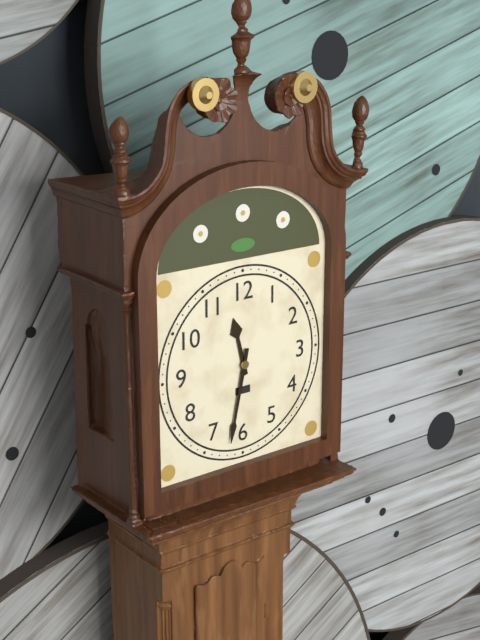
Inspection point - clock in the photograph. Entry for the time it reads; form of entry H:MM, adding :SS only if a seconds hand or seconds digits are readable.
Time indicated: 11:32
